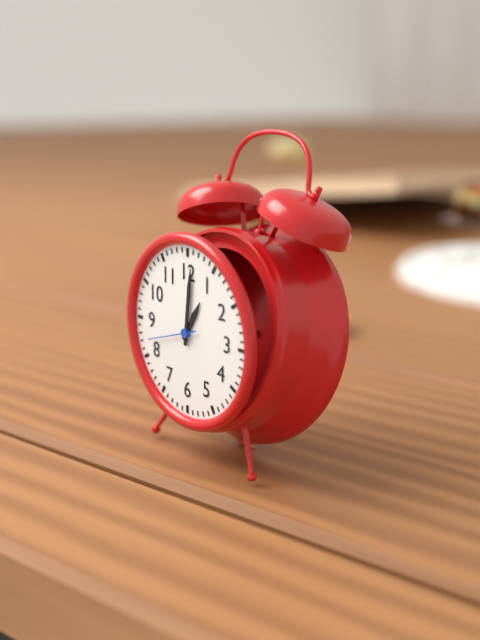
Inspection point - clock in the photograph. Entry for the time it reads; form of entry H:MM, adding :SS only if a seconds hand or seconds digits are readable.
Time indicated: 1:01:42
